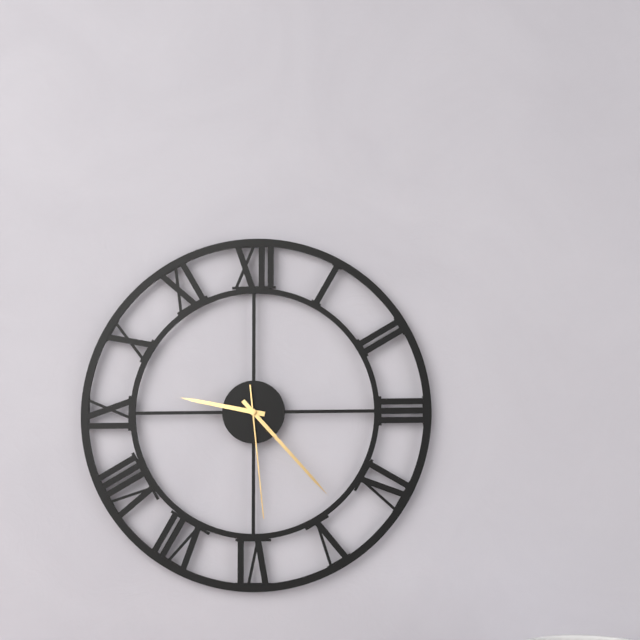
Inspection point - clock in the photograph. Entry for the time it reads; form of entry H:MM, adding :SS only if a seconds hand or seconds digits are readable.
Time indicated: 9:23:29
